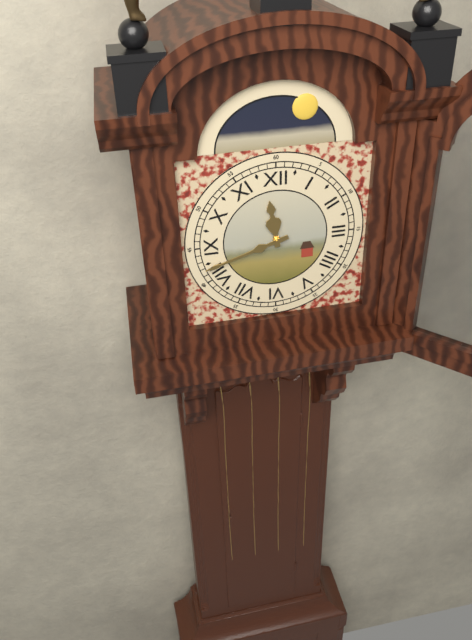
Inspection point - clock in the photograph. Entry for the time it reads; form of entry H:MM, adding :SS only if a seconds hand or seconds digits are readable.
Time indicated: 11:42
